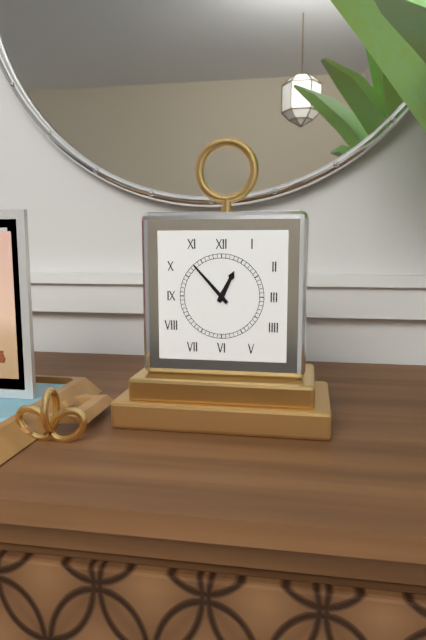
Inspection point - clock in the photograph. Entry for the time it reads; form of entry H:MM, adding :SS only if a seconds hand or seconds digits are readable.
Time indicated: 12:53
